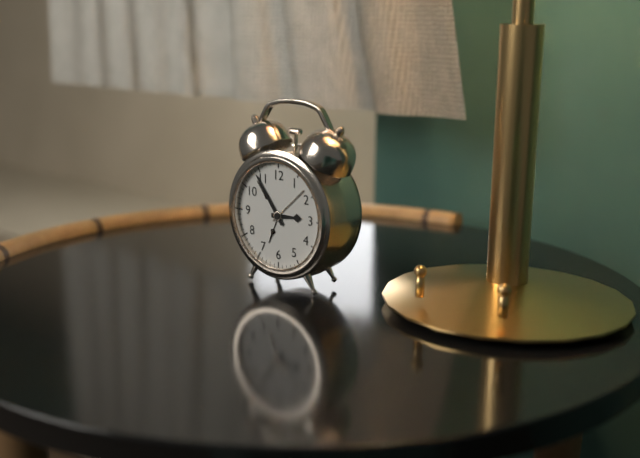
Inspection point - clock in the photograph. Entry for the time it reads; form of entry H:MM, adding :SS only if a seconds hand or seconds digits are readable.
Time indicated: 2:54
